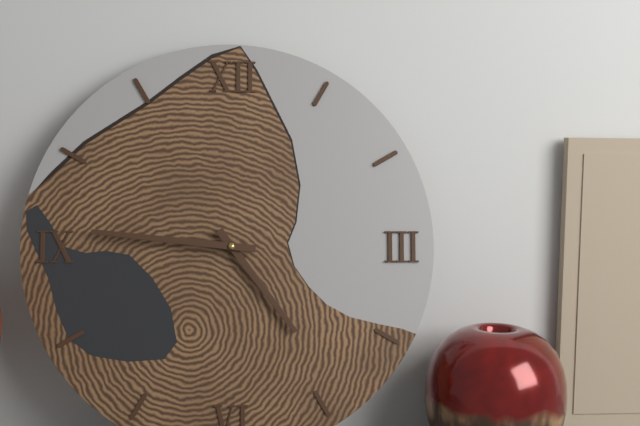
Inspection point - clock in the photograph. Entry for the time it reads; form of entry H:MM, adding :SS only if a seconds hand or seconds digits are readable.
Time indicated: 4:46
